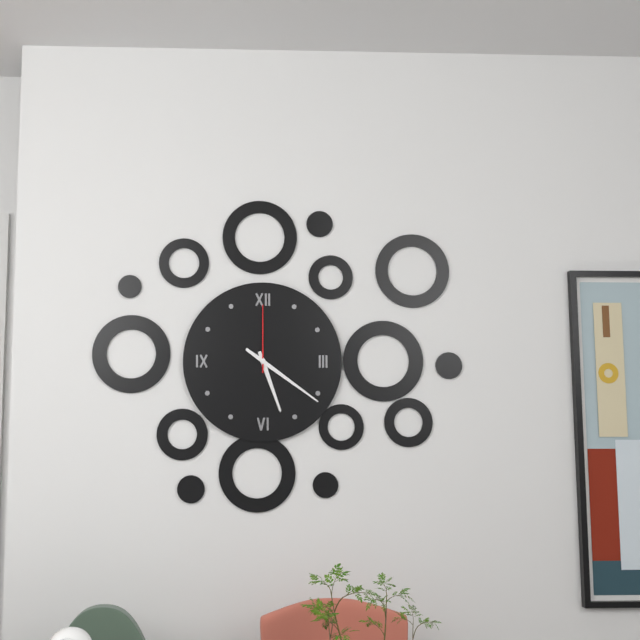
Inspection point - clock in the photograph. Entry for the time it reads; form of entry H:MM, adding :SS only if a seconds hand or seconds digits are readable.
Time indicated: 5:21:00
